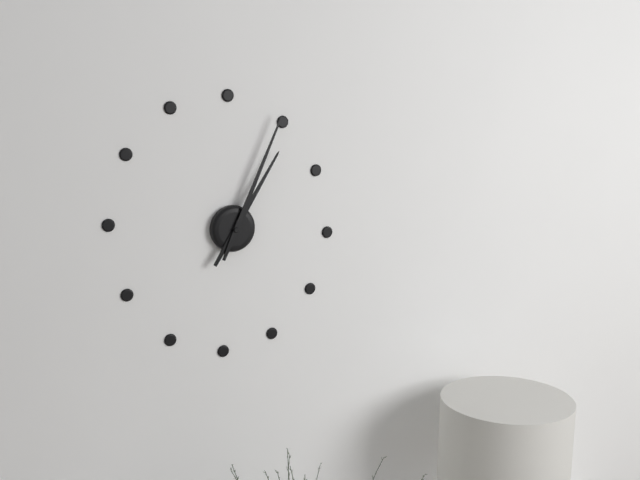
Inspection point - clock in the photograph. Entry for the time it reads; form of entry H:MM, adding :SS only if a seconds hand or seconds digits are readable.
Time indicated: 1:04
